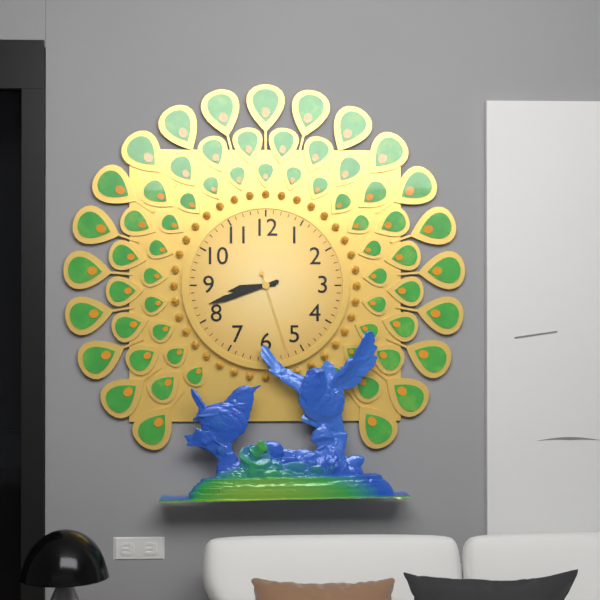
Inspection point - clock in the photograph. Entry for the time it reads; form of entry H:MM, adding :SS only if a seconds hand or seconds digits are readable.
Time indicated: 8:42:27
